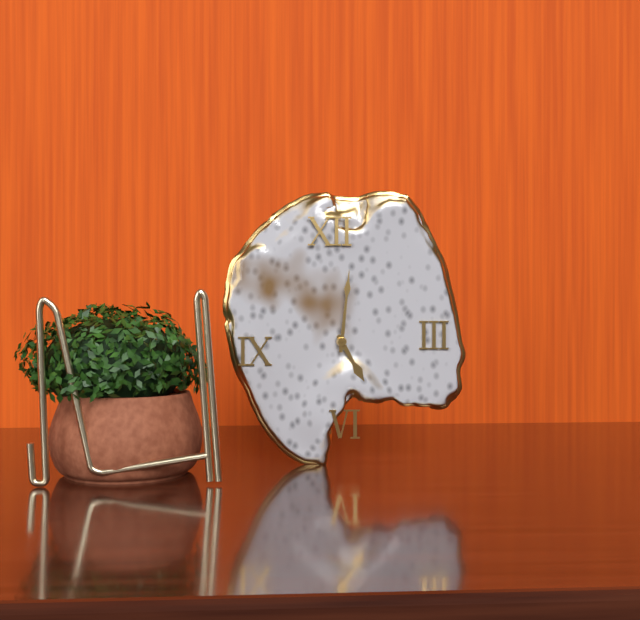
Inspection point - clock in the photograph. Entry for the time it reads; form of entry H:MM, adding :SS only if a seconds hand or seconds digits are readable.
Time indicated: 5:01
